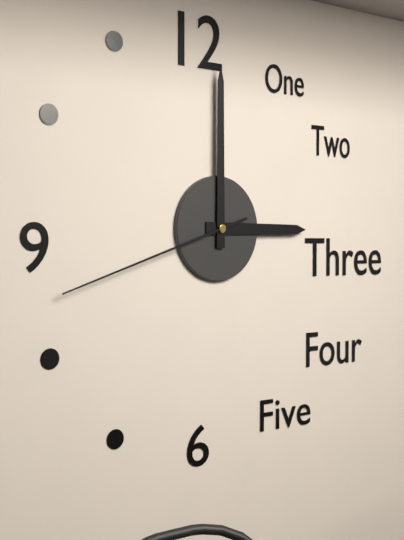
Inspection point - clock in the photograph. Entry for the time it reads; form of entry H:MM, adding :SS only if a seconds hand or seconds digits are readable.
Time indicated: 3:00:42
